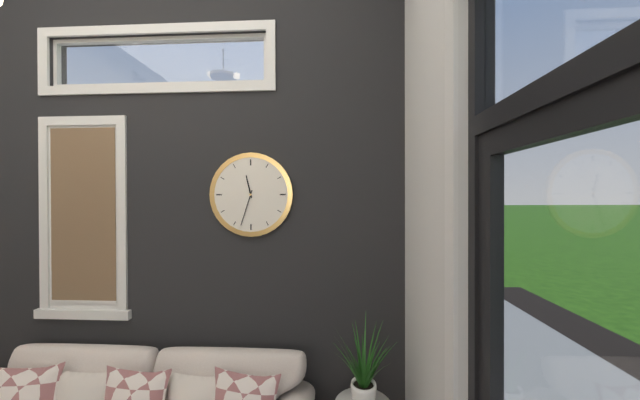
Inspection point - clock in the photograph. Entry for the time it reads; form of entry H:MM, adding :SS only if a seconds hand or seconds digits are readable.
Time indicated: 11:33
